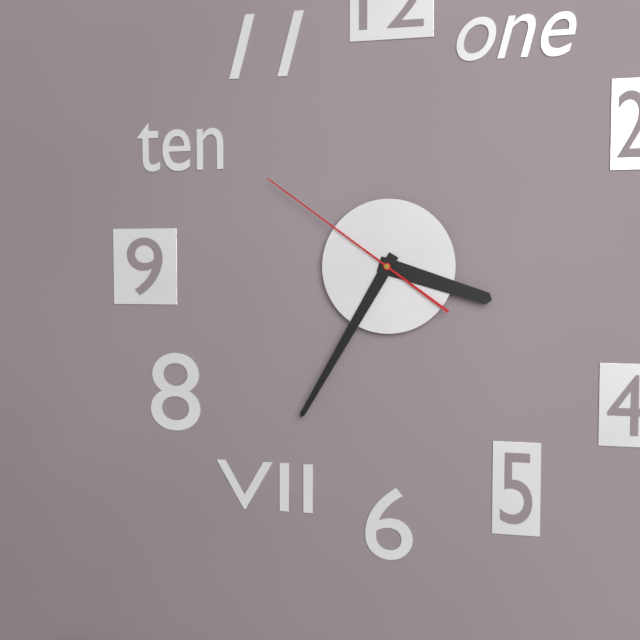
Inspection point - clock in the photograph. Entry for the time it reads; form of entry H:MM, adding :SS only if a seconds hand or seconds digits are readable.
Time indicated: 3:35:51
